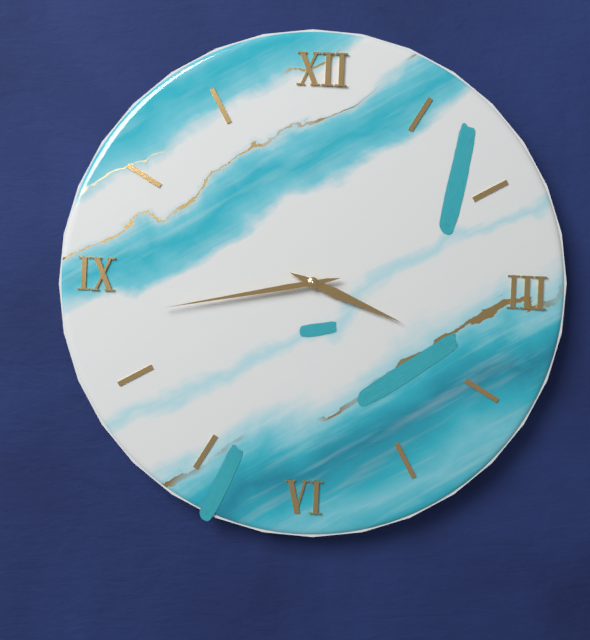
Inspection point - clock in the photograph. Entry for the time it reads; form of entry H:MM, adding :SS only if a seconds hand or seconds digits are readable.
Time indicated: 3:43
